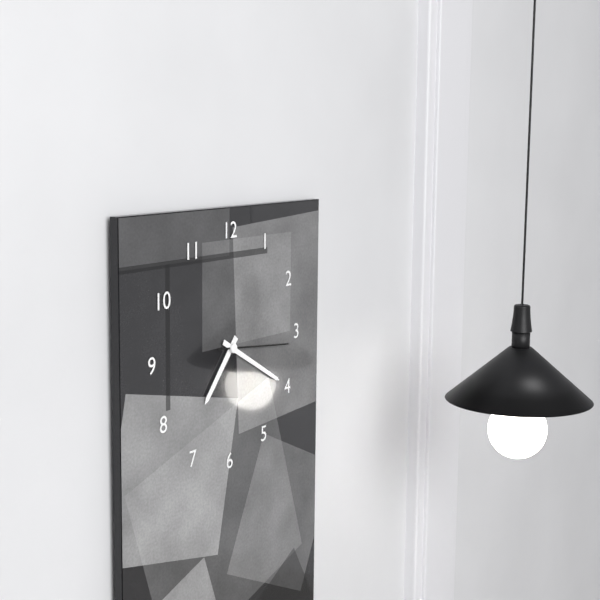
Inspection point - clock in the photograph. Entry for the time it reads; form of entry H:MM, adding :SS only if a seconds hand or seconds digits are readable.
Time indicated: 7:20:16
